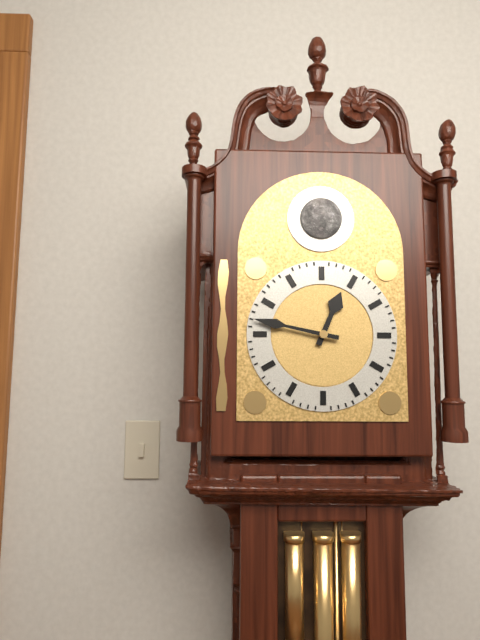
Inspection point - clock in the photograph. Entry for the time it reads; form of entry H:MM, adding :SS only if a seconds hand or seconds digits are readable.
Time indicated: 12:47
